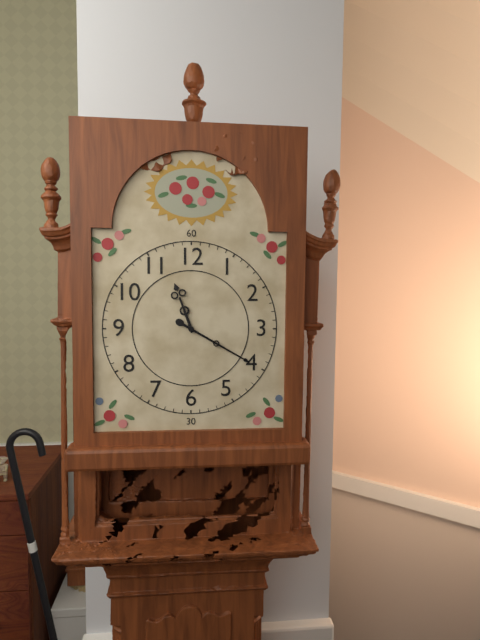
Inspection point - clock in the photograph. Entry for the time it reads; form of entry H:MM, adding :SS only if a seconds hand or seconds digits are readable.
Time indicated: 11:20
